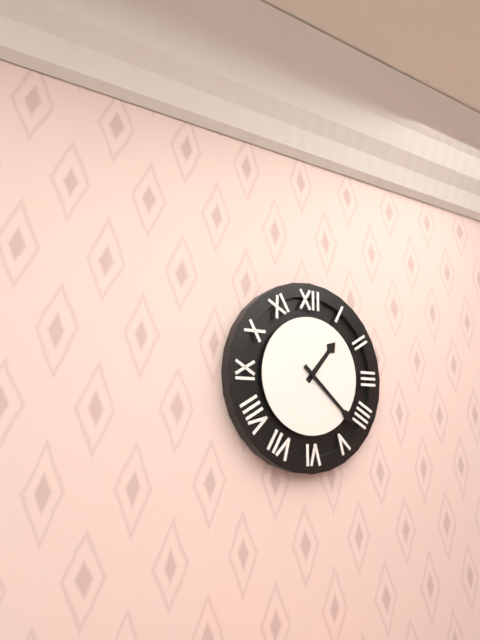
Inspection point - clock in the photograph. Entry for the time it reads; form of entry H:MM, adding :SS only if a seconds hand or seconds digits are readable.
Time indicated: 1:22
